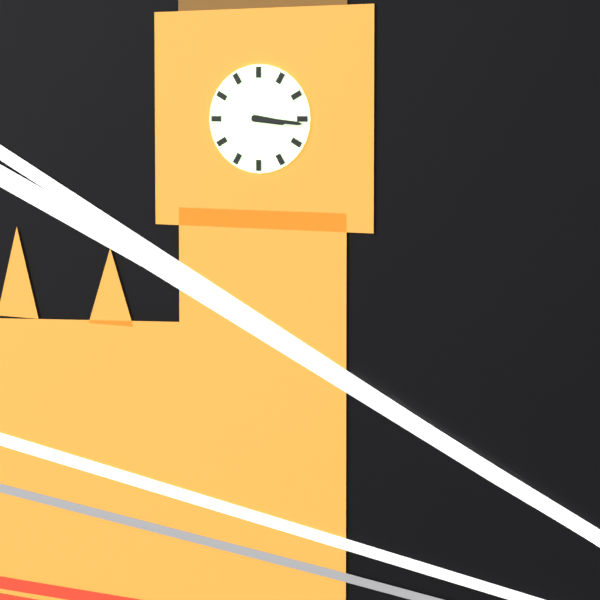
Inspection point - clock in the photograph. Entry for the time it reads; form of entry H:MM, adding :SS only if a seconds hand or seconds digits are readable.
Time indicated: 3:16
